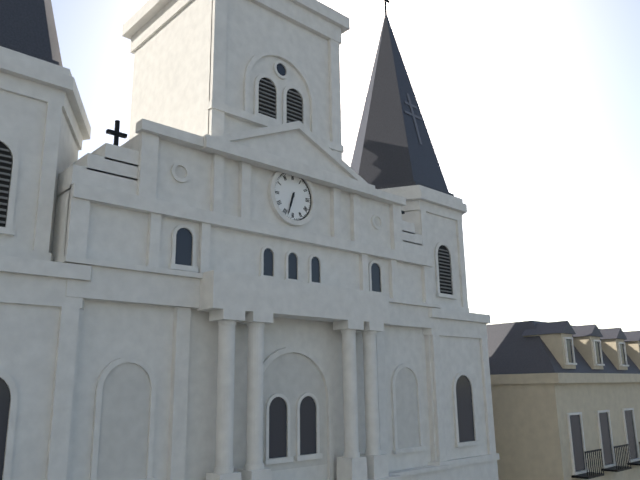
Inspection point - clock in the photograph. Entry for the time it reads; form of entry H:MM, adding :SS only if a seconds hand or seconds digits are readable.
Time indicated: 6:33
